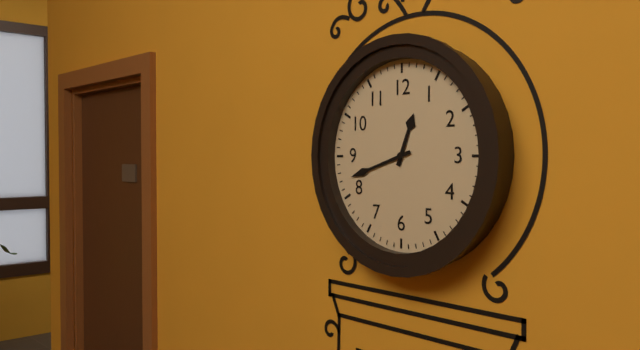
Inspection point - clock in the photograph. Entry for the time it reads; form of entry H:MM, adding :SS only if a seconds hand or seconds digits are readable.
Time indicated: 12:42
